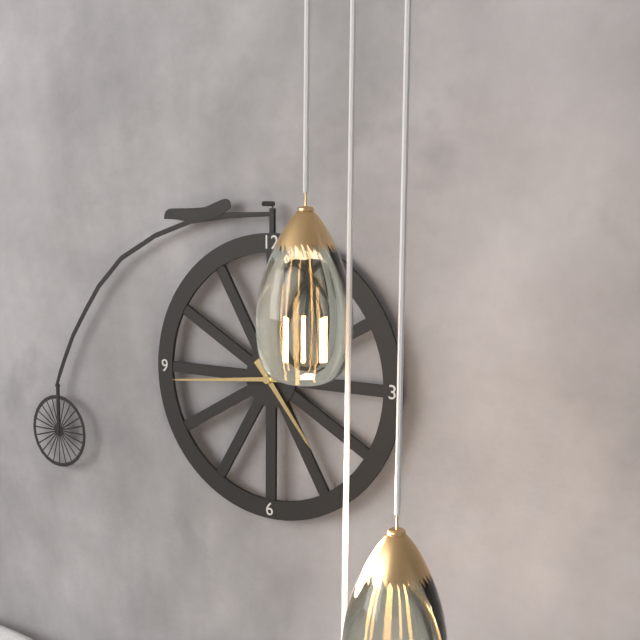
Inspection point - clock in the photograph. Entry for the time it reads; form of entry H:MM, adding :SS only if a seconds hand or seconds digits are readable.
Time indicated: 4:44
